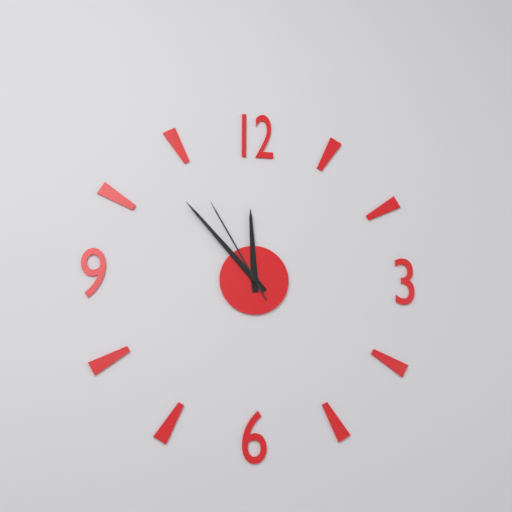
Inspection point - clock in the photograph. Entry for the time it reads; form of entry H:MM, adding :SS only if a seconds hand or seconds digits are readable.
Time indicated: 11:53:55
